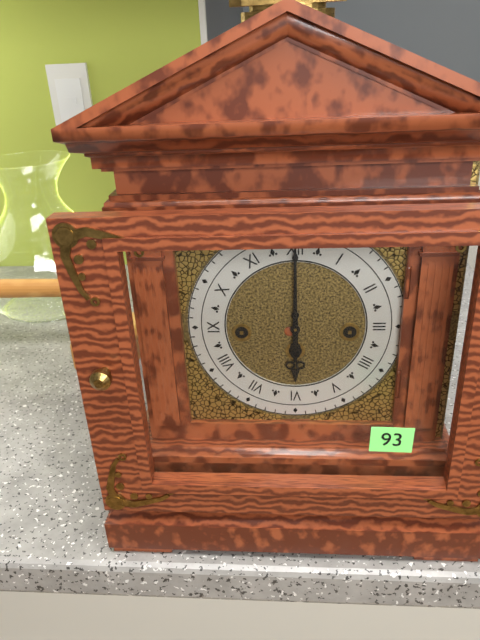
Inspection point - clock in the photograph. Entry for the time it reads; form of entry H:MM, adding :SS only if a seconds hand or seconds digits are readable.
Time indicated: 6:00
